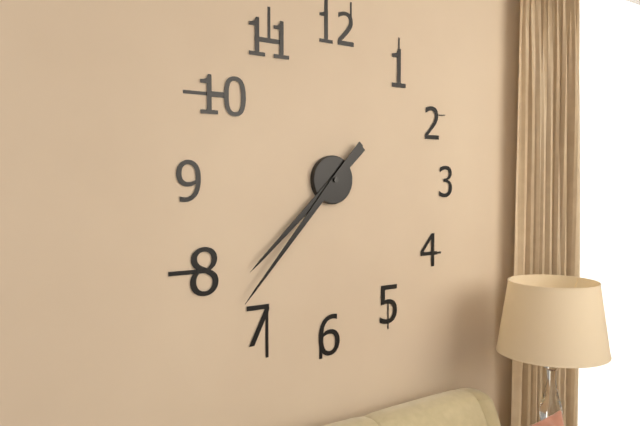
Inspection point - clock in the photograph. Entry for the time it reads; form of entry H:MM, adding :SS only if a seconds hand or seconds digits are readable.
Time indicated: 7:37
